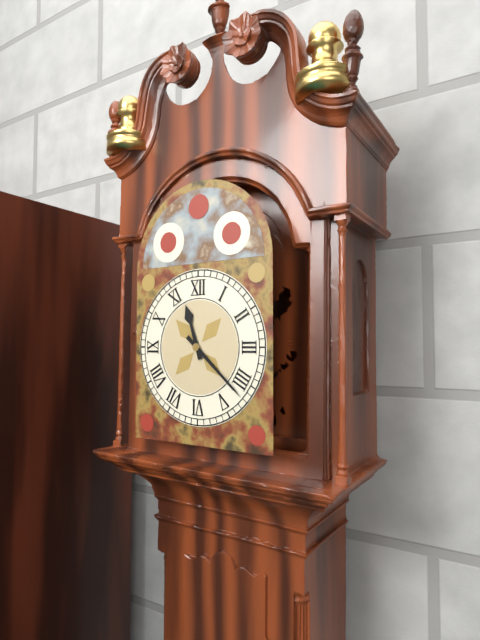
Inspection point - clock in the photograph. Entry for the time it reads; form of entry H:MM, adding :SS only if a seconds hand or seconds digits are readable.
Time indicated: 11:22
